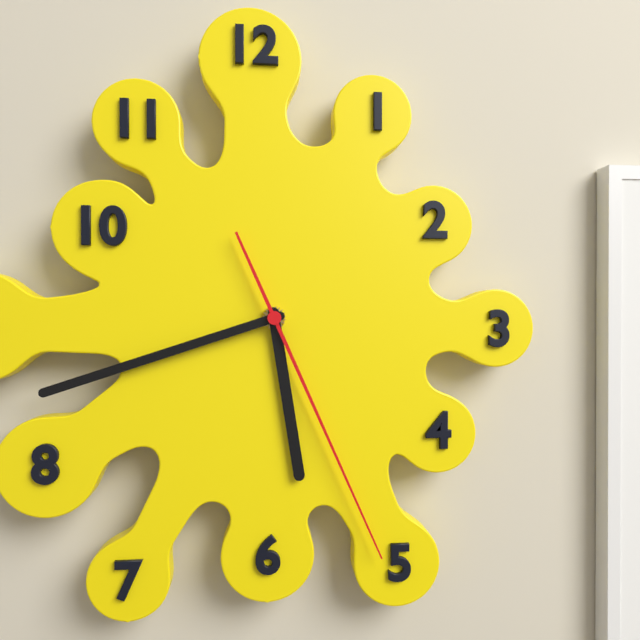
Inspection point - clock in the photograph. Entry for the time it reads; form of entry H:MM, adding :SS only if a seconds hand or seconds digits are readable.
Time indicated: 5:42:26
